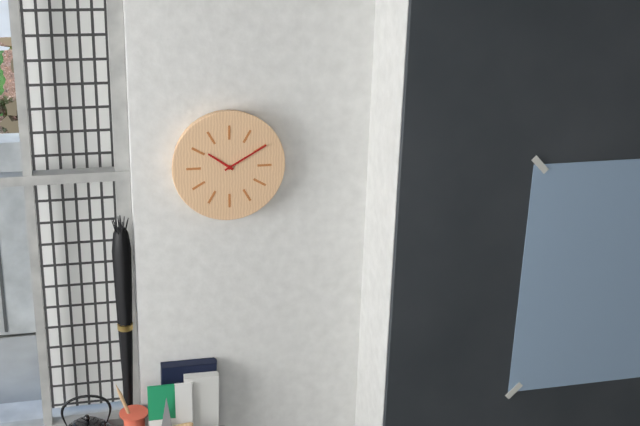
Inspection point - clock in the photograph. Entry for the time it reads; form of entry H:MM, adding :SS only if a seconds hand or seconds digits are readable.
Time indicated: 10:10
